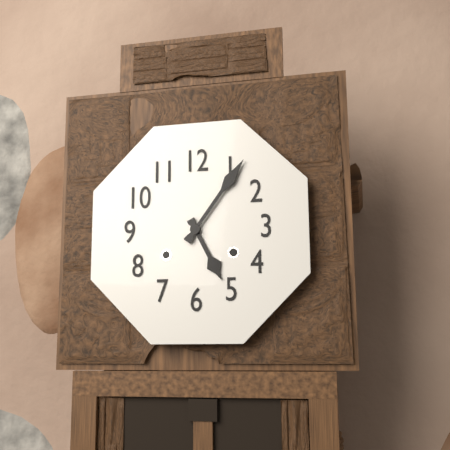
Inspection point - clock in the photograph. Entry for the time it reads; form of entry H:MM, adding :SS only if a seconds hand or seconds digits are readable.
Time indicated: 5:06
